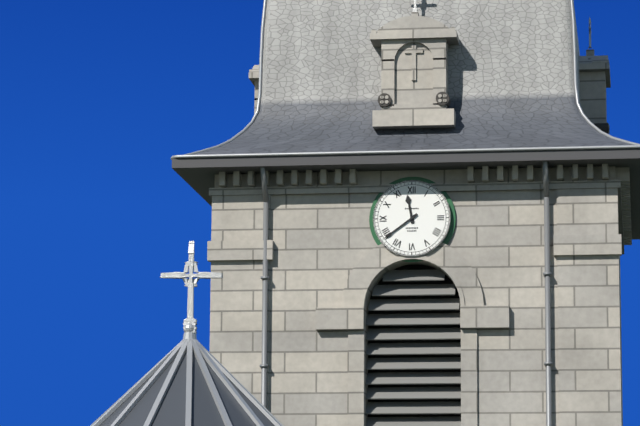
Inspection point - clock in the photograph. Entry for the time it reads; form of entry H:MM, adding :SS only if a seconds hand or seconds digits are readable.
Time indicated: 11:39
